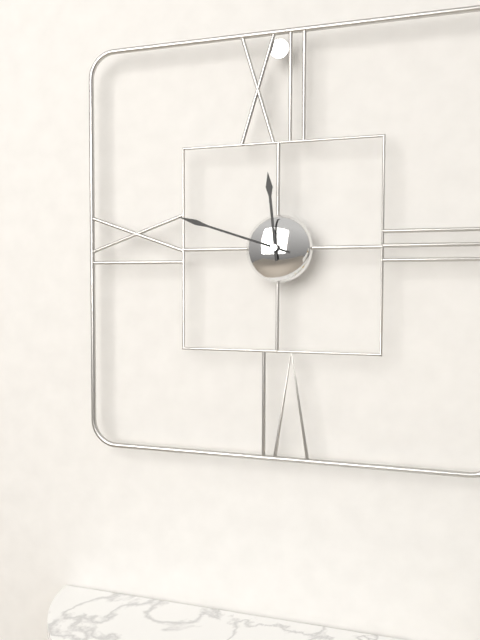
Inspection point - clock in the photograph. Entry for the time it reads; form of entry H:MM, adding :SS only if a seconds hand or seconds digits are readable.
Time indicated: 11:48
